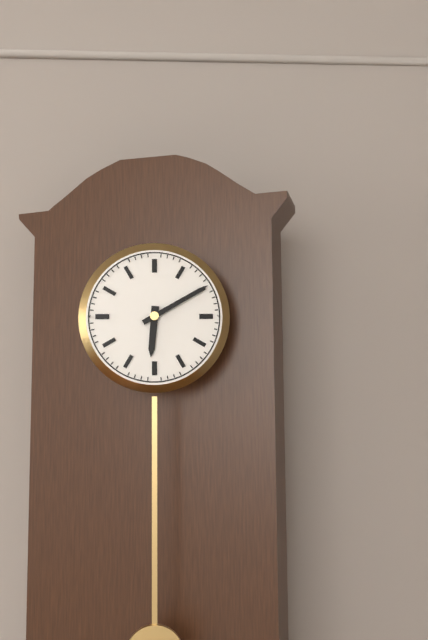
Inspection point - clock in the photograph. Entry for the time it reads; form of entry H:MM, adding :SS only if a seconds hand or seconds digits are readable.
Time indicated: 6:10
